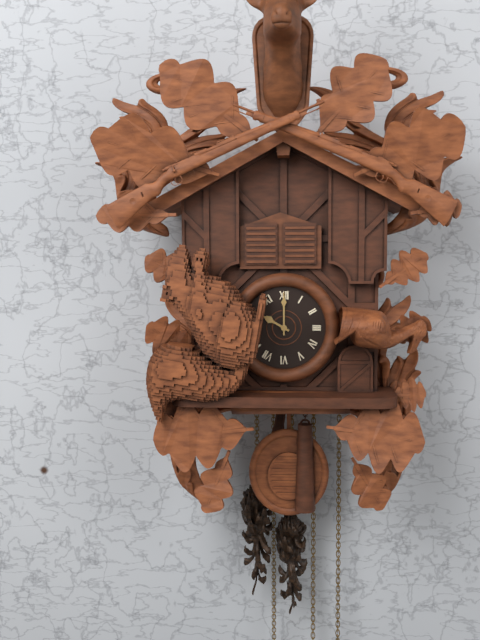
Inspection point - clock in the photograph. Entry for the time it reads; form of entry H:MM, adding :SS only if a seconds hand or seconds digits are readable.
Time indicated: 10:00
